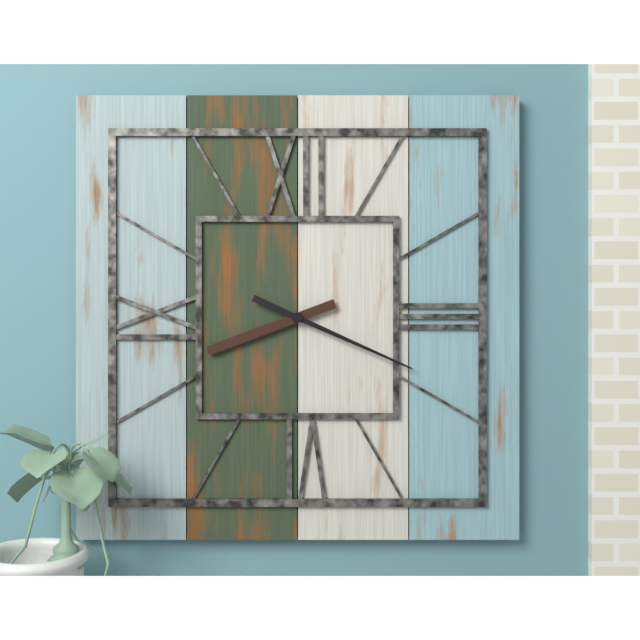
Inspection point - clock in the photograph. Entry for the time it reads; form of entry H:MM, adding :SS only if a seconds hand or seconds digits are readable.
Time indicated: 8:19
